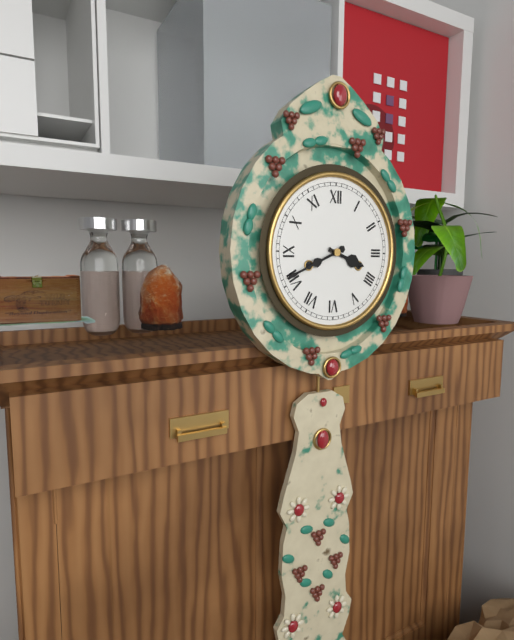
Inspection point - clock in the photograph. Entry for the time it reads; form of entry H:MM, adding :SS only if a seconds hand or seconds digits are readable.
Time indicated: 3:41
